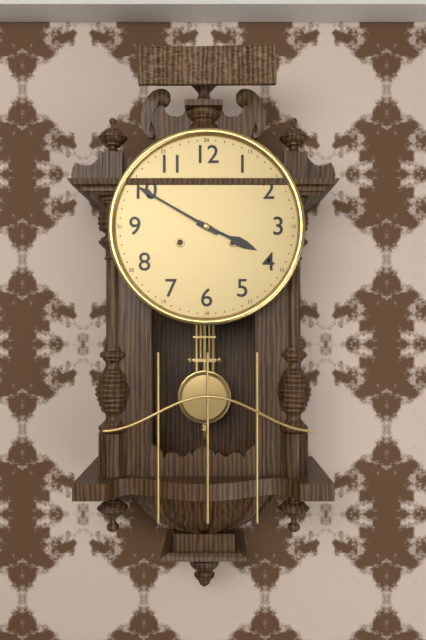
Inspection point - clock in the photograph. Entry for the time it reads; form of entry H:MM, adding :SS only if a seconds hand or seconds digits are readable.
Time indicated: 3:50
